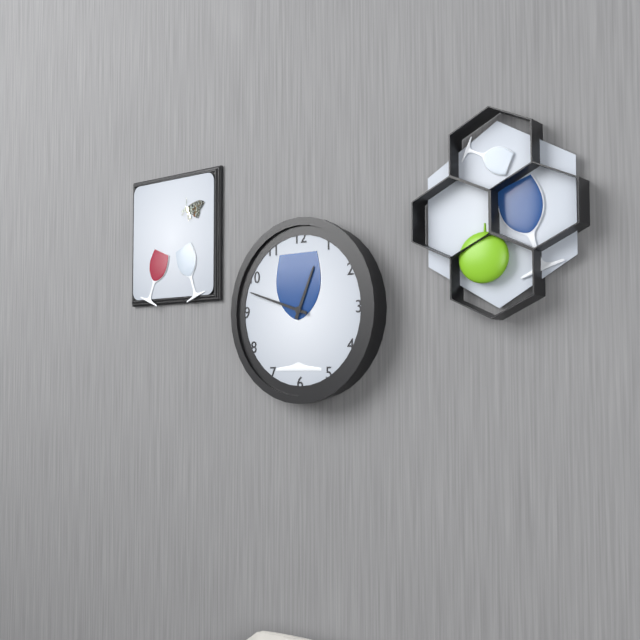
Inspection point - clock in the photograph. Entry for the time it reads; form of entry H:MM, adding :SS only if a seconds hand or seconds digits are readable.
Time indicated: 12:48
